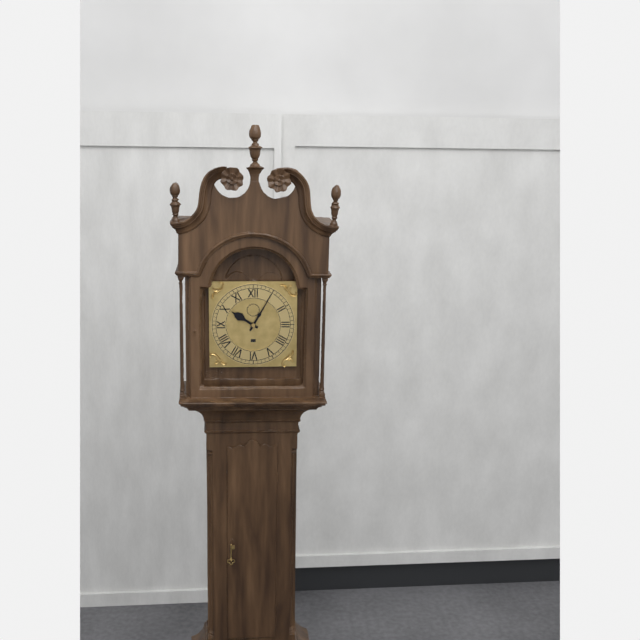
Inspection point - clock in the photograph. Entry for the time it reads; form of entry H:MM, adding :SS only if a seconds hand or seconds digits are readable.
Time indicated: 10:05
